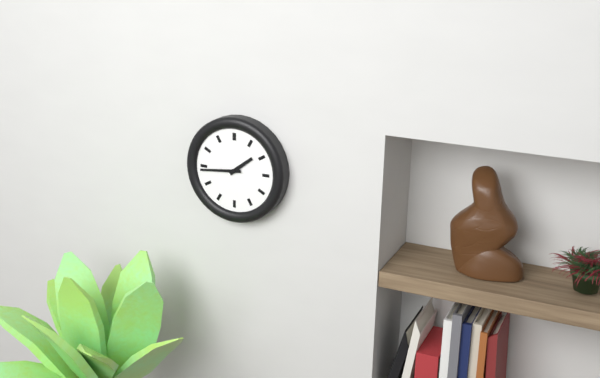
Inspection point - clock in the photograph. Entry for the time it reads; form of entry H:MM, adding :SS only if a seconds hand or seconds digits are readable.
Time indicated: 1:44
